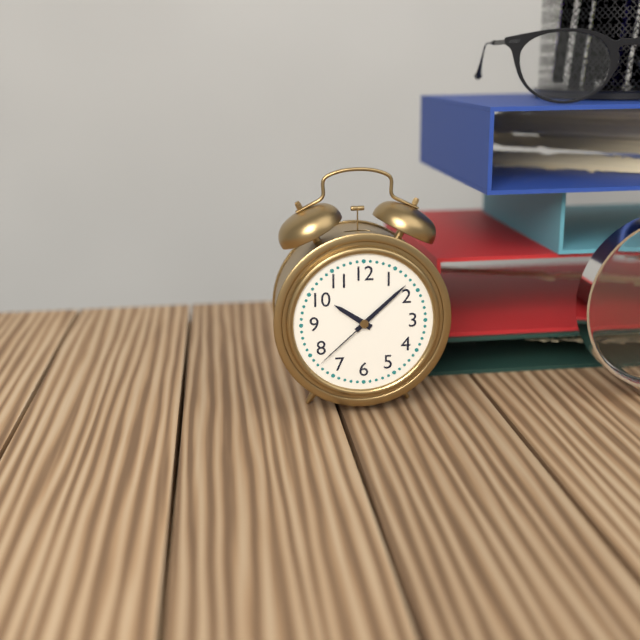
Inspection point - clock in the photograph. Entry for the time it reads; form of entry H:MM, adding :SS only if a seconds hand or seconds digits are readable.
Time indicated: 10:08:38
